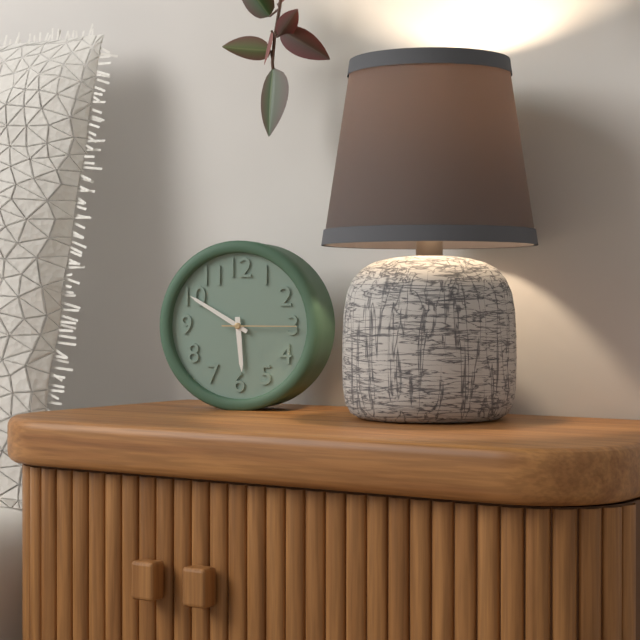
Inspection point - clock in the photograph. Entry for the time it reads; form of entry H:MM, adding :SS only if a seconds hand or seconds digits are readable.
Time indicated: 5:50:15
